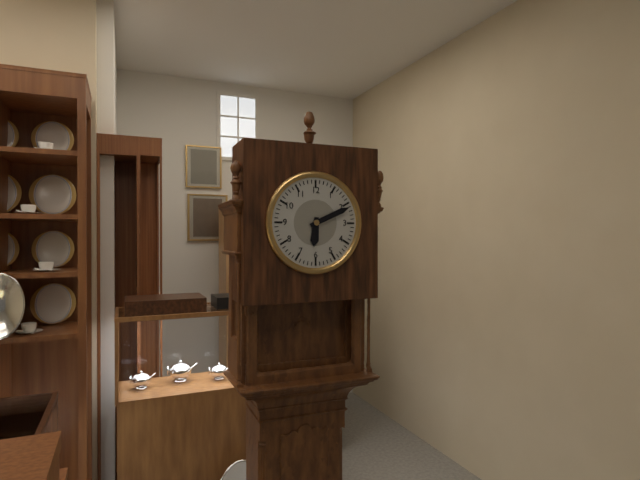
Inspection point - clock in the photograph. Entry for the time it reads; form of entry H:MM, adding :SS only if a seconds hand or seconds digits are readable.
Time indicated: 6:11
